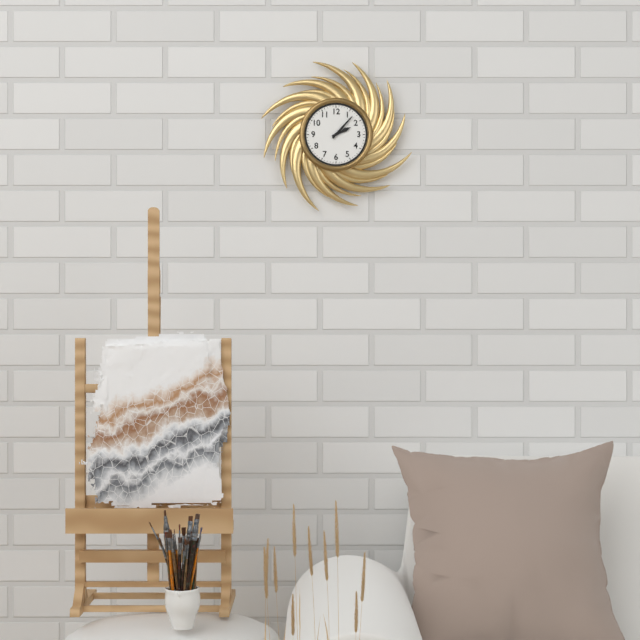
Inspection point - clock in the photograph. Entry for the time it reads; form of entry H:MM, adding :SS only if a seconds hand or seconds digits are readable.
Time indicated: 2:07
